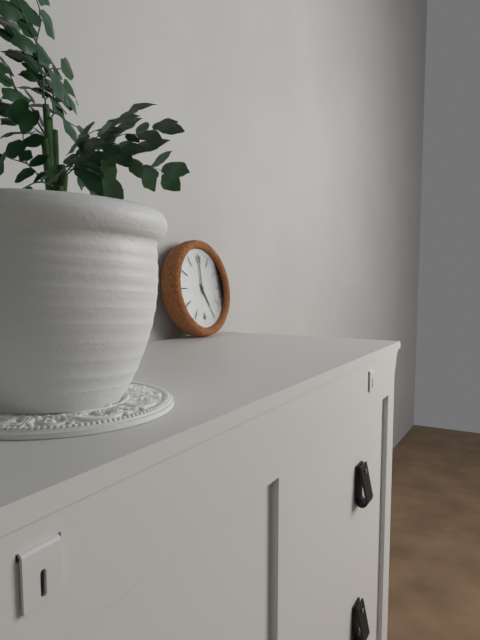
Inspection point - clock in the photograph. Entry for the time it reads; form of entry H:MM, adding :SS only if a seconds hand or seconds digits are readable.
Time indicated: 5:00
